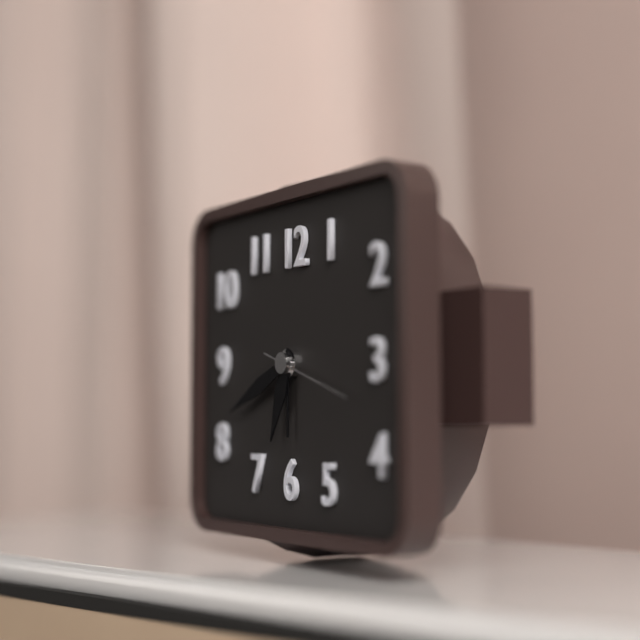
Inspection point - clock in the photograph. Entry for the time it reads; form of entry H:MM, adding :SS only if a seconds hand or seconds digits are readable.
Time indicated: 6:41:18
